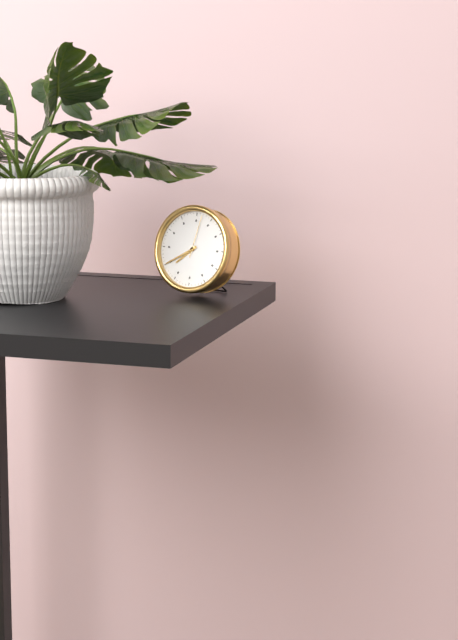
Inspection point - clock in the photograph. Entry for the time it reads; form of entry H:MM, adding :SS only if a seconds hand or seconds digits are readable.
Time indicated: 7:40
